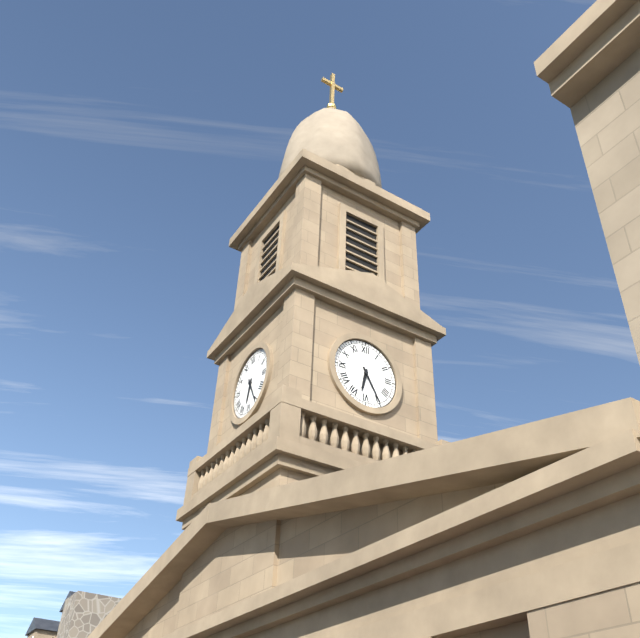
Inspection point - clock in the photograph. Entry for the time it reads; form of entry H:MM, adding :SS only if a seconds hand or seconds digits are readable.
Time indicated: 6:25
